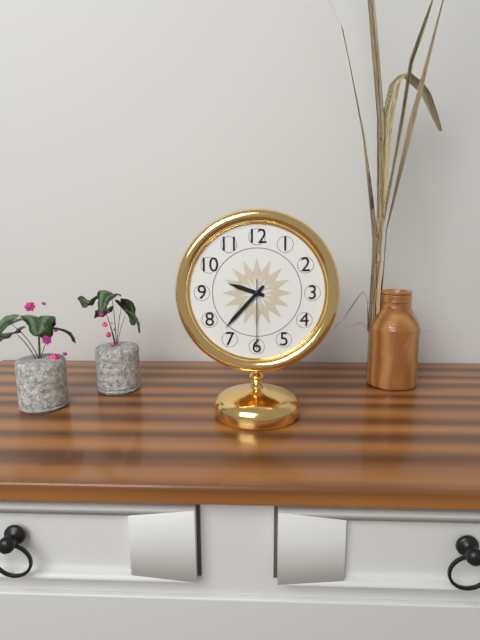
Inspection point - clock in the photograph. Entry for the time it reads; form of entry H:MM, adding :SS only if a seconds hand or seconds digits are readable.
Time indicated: 9:37:30
